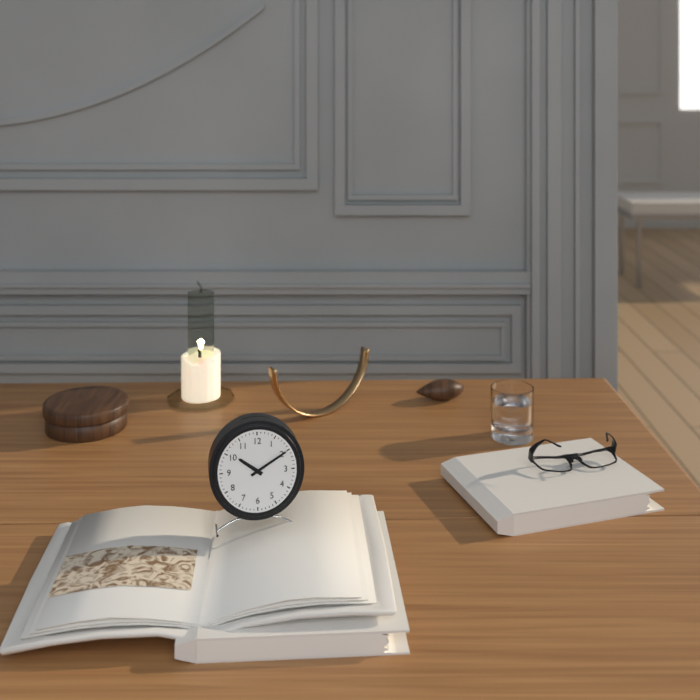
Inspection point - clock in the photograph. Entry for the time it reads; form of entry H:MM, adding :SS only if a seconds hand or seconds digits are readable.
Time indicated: 10:10
